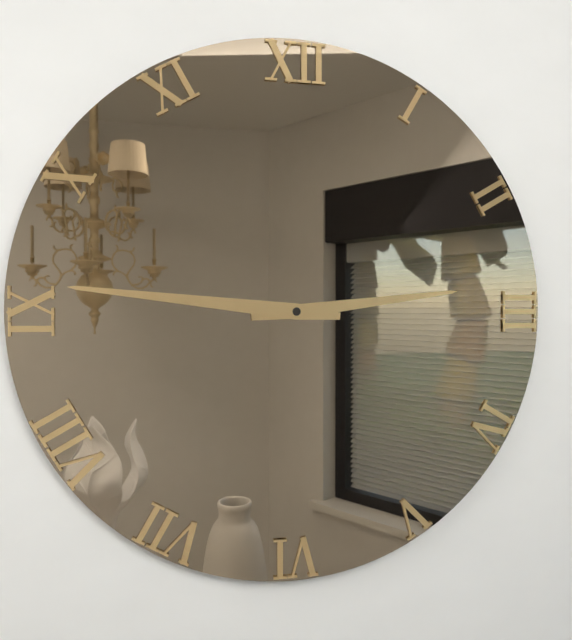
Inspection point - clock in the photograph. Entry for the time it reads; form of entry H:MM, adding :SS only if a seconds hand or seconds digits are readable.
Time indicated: 2:46
